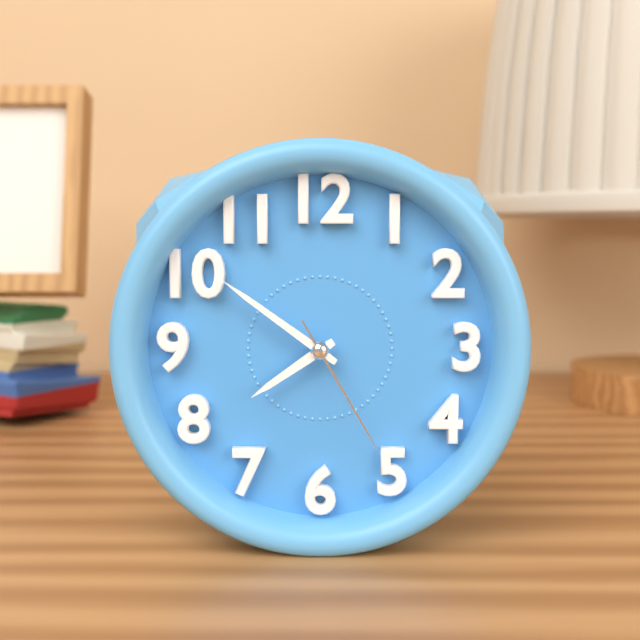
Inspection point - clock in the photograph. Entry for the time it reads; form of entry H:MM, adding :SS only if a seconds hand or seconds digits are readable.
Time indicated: 7:51:25
